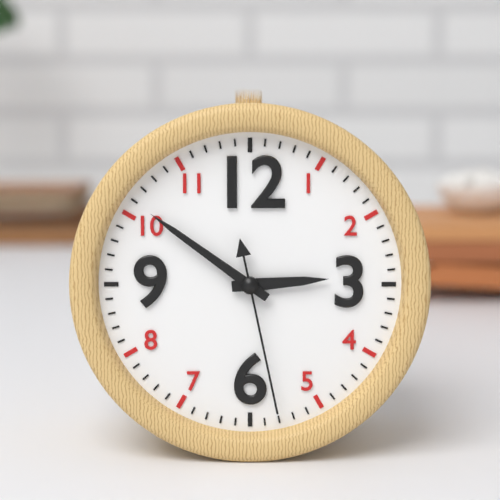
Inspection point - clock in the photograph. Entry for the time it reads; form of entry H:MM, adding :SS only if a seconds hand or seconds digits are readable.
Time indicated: 2:51:28
